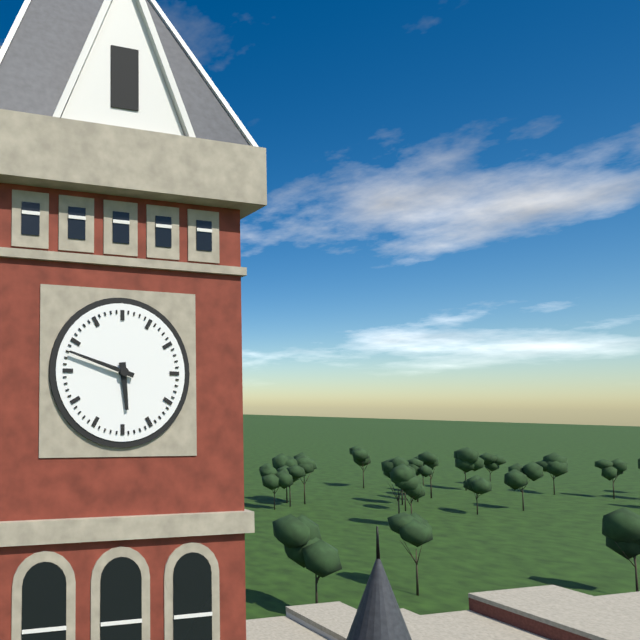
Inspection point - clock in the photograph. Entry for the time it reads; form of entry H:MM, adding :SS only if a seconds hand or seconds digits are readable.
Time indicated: 5:48
